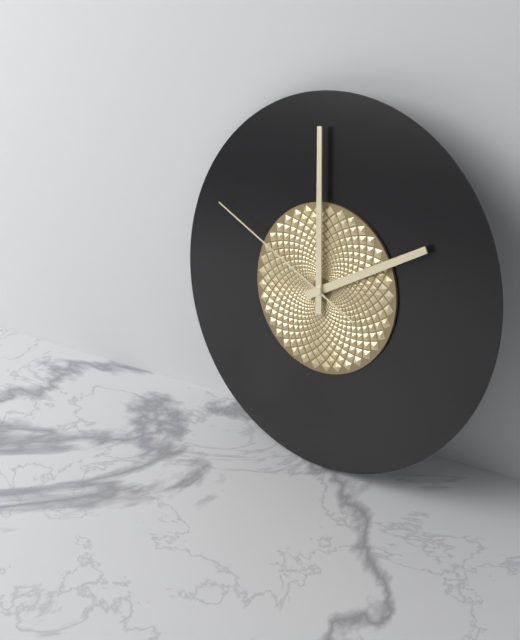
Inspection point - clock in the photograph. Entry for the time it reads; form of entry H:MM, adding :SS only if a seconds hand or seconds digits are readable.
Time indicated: 1:59:49
